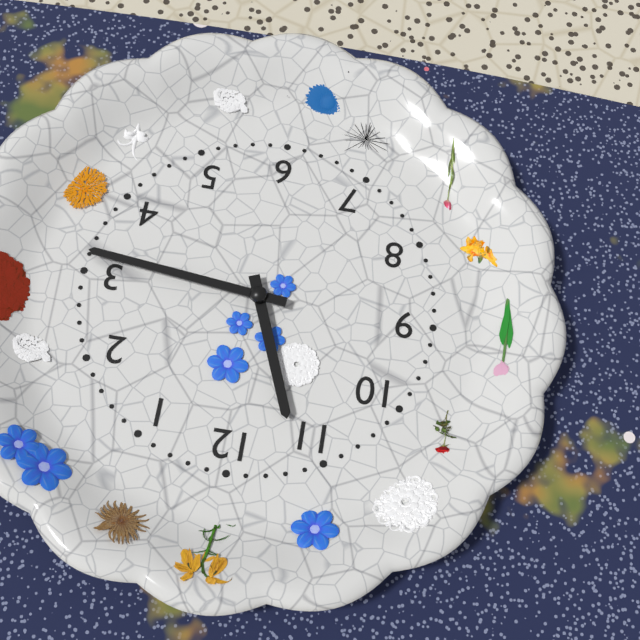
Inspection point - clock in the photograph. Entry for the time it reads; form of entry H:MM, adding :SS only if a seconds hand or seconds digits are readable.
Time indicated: 11:16
